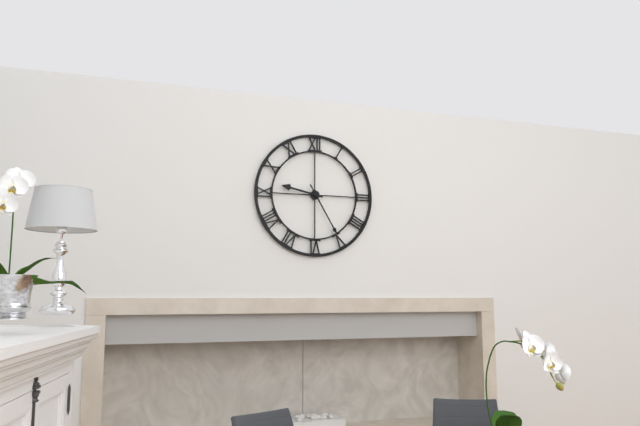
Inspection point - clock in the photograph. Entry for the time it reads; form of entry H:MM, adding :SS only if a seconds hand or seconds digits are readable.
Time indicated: 9:25
